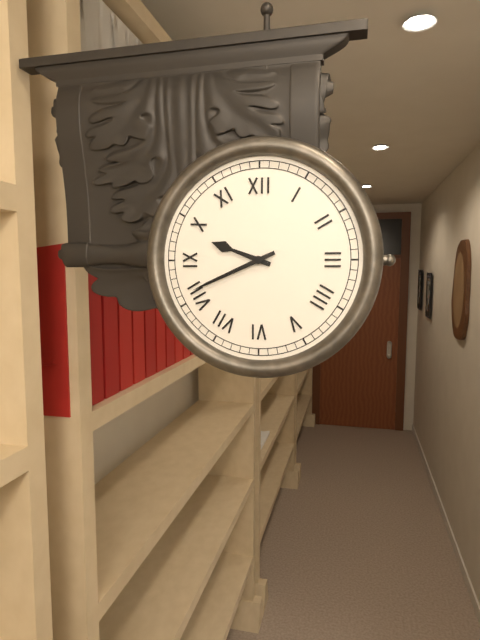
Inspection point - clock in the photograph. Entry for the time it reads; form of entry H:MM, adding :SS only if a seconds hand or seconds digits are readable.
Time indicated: 9:41
